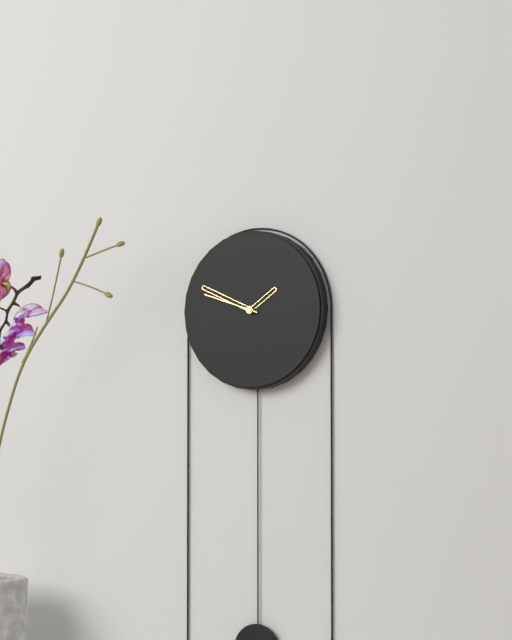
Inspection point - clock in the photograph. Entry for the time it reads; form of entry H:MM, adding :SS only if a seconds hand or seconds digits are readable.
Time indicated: 1:49:48
